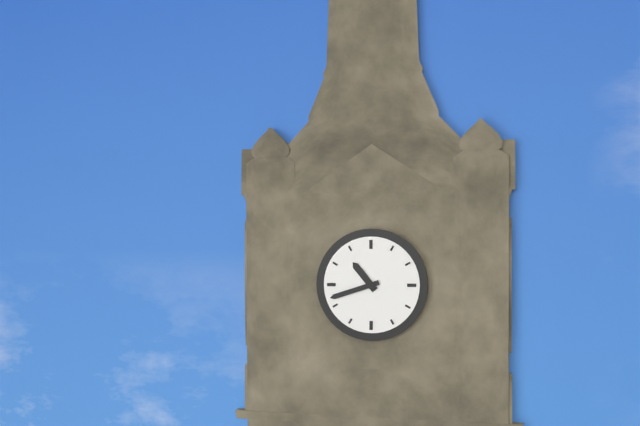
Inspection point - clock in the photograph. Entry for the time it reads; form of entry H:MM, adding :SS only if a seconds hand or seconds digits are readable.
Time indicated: 10:42
